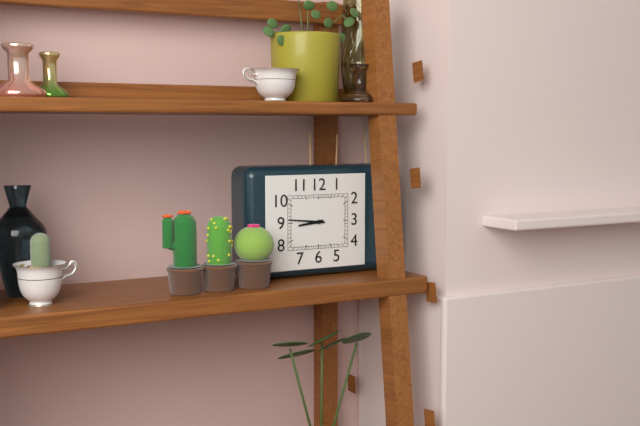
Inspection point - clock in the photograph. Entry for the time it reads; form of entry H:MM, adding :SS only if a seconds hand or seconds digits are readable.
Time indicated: 8:46
